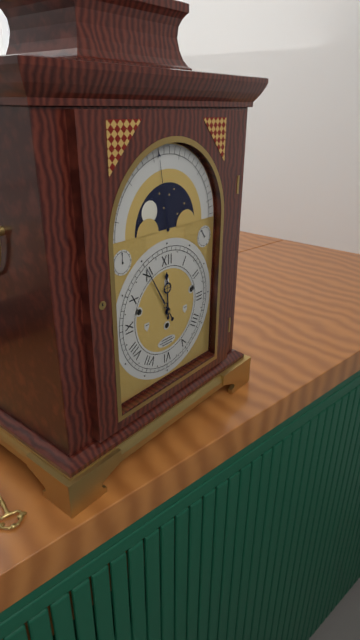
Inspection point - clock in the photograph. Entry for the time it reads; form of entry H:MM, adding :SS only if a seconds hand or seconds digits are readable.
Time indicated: 11:55
